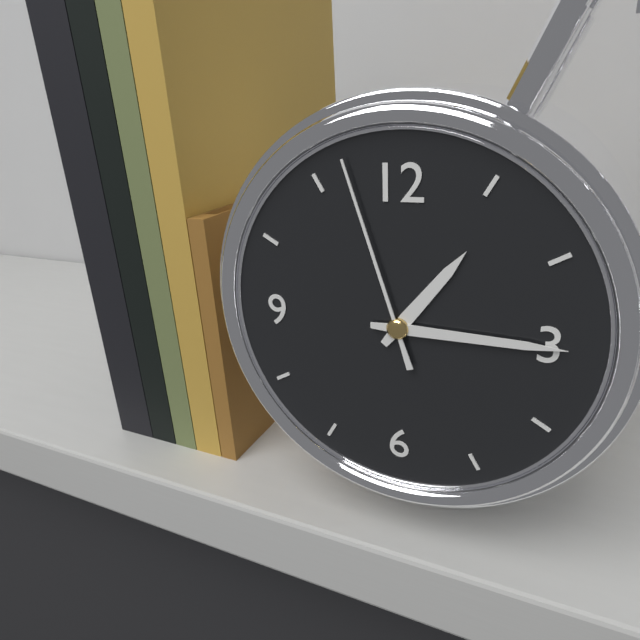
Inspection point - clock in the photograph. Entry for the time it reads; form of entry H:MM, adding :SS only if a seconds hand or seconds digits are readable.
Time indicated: 1:15:57
